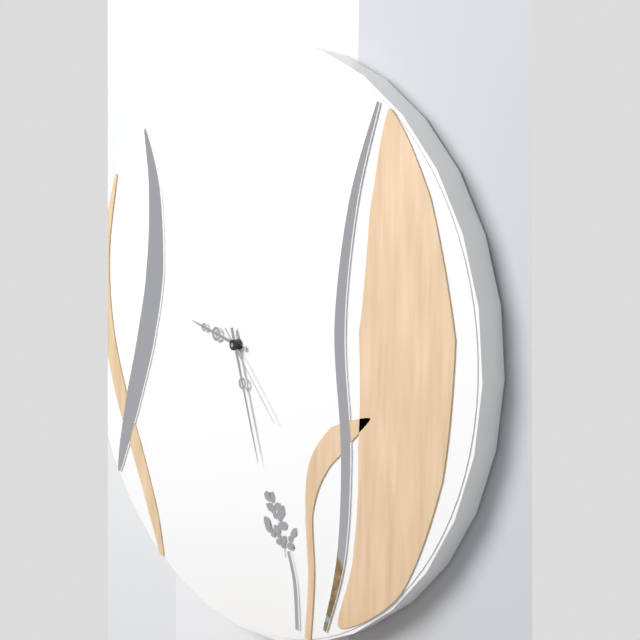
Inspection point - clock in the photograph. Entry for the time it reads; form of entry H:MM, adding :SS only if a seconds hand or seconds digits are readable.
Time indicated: 9:27:23
